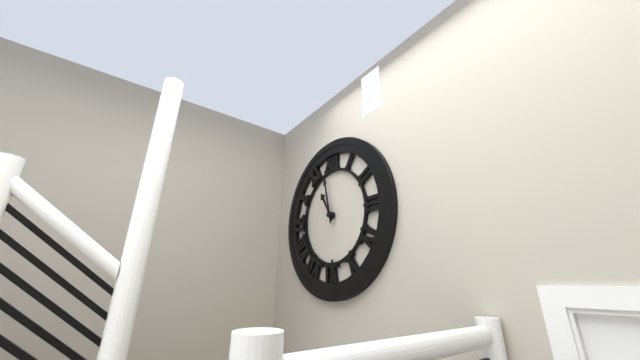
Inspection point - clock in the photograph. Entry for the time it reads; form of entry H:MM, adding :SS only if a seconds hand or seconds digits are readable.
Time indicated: 10:58
